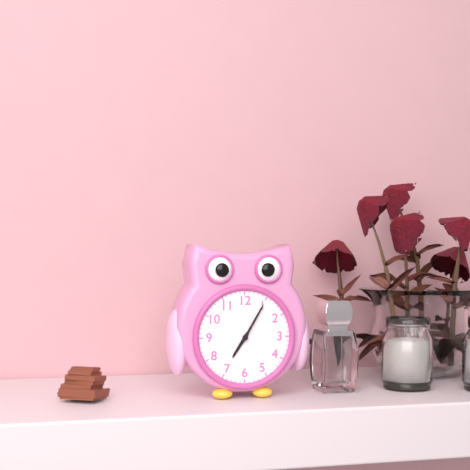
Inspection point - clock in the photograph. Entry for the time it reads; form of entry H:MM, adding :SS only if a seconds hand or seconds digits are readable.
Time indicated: 7:05
